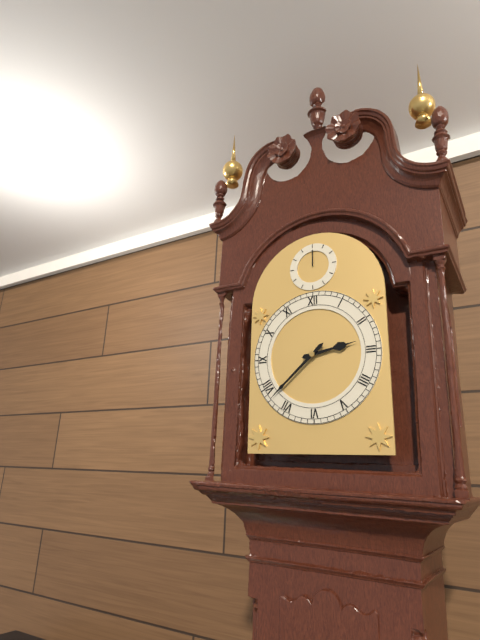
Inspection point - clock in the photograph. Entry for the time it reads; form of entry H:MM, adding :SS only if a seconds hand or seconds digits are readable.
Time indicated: 2:38
